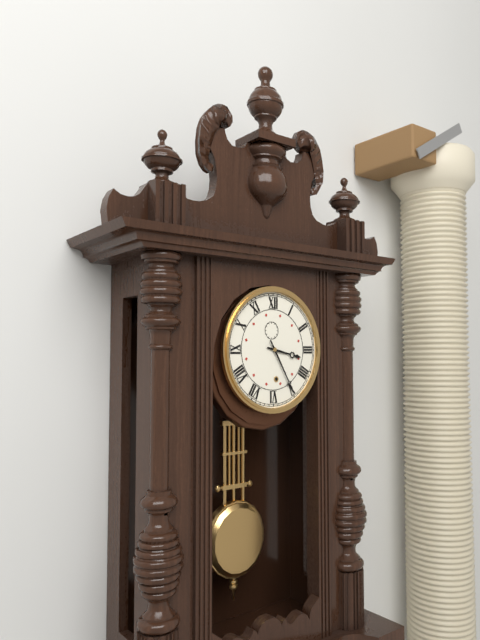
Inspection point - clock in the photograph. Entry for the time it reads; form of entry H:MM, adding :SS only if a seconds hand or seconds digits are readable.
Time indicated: 3:25
